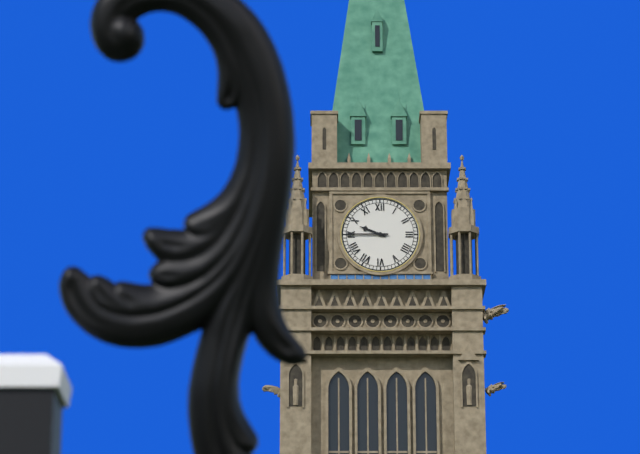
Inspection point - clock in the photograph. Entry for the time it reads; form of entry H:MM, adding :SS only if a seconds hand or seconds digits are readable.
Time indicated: 9:45
